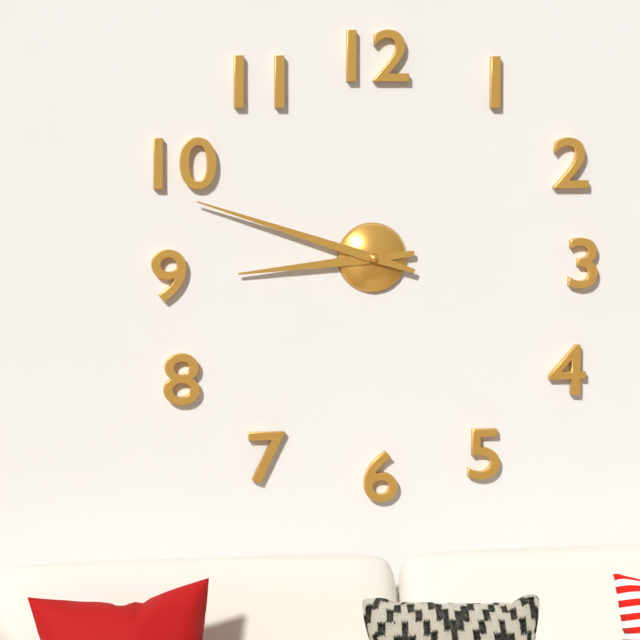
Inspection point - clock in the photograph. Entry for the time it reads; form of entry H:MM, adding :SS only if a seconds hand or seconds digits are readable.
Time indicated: 8:48
